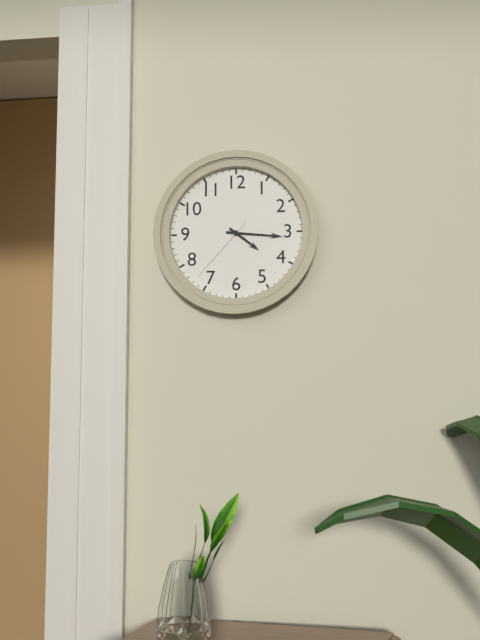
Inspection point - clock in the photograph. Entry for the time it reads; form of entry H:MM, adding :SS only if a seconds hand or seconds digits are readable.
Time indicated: 4:16:37
